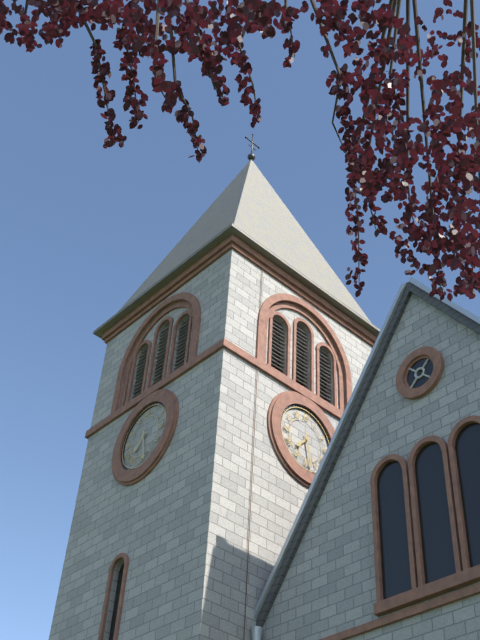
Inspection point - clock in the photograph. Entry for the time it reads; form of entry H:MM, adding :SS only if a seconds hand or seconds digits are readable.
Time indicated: 7:28
